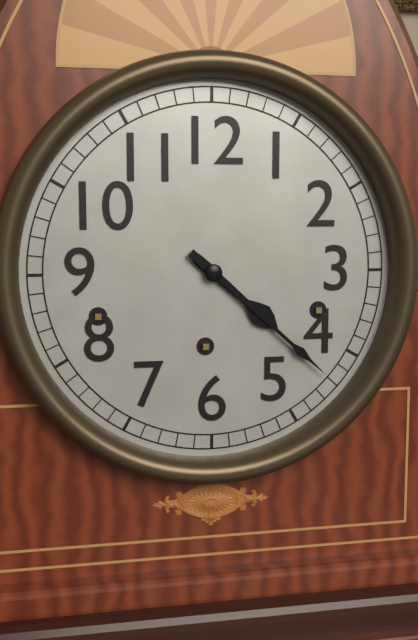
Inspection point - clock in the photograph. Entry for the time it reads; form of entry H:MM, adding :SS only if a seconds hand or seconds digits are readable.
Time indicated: 4:22
